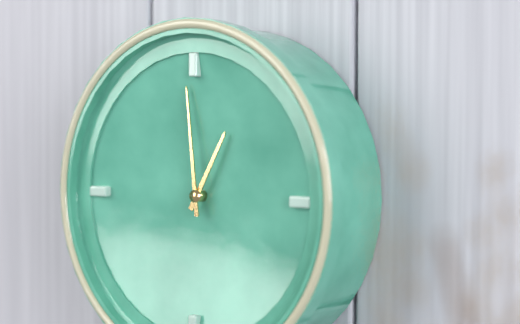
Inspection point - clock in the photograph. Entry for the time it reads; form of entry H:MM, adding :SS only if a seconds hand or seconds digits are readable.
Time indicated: 12:59
